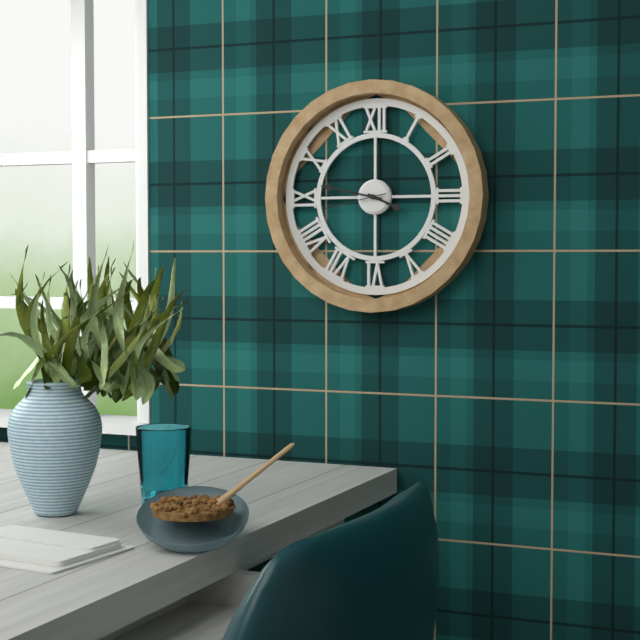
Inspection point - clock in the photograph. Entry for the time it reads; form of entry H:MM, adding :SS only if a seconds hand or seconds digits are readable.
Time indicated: 3:47:43
